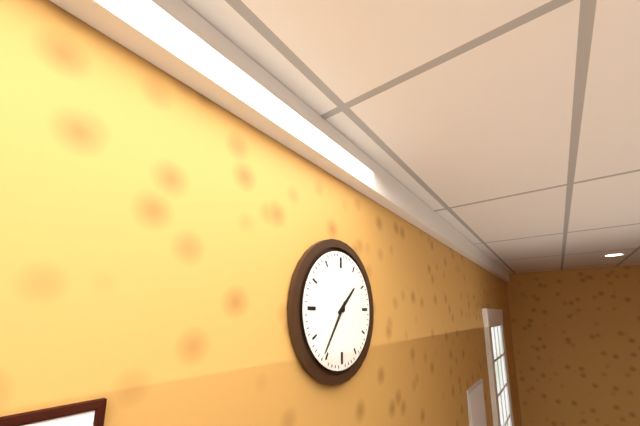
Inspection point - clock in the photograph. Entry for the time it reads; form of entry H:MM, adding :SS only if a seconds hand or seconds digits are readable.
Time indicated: 1:36
